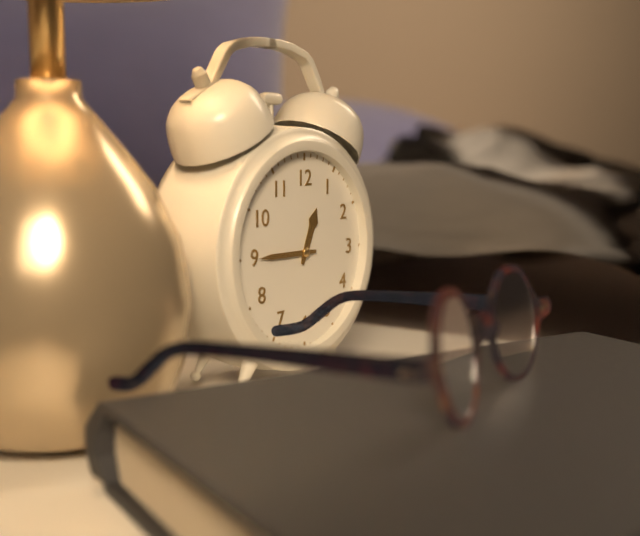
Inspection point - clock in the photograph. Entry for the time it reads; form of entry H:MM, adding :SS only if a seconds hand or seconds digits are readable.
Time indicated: 12:45
